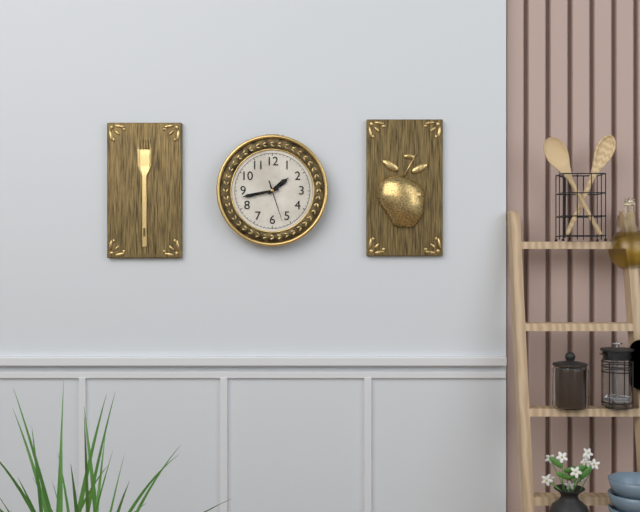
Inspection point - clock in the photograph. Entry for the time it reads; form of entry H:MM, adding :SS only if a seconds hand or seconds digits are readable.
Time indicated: 1:43
